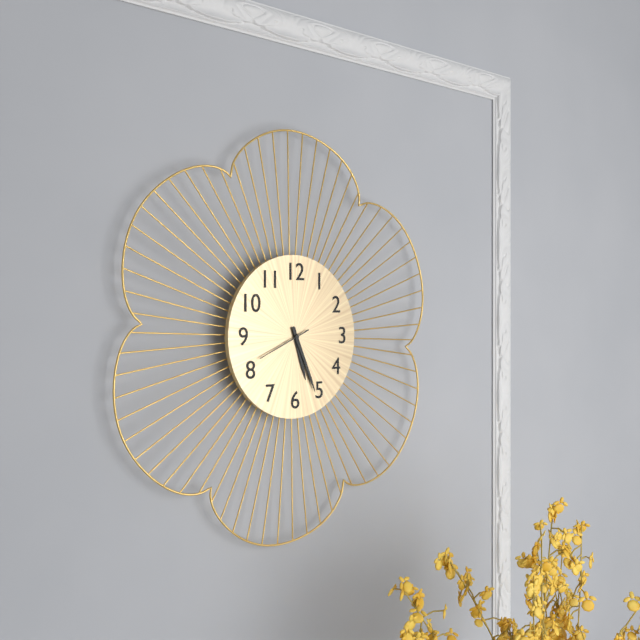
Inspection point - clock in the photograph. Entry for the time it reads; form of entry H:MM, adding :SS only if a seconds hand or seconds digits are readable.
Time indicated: 5:26:41
